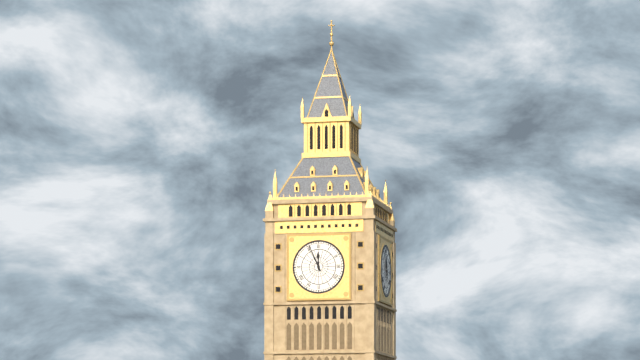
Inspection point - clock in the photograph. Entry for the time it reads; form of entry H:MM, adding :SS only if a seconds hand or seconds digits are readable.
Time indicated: 11:56
